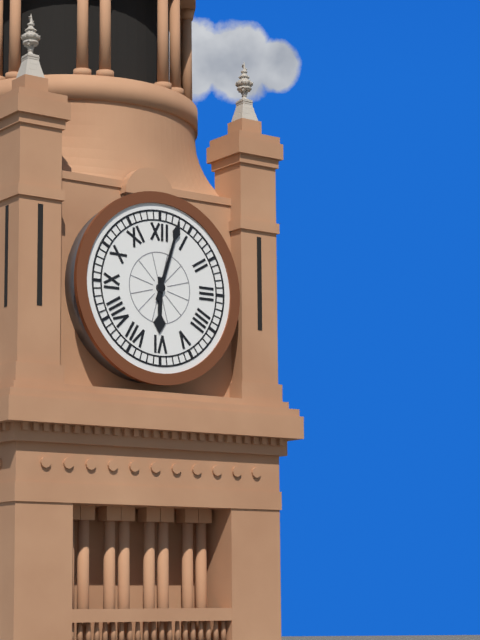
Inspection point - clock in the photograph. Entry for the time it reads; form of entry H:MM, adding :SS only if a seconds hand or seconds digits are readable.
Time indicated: 6:03
